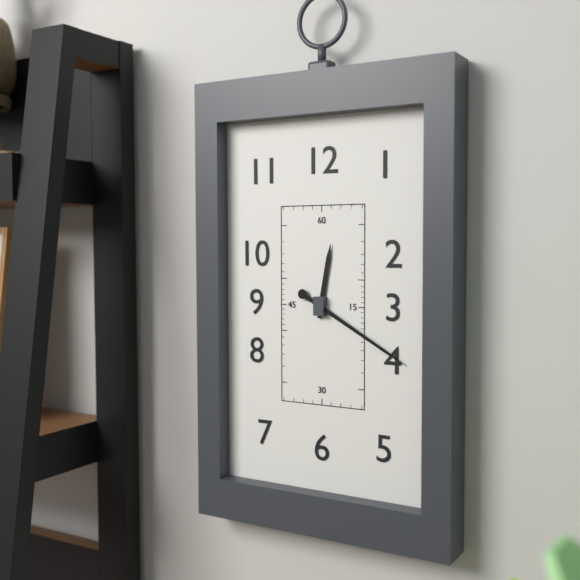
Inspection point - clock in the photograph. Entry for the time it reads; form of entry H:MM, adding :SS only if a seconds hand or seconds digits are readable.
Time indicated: 12:20
